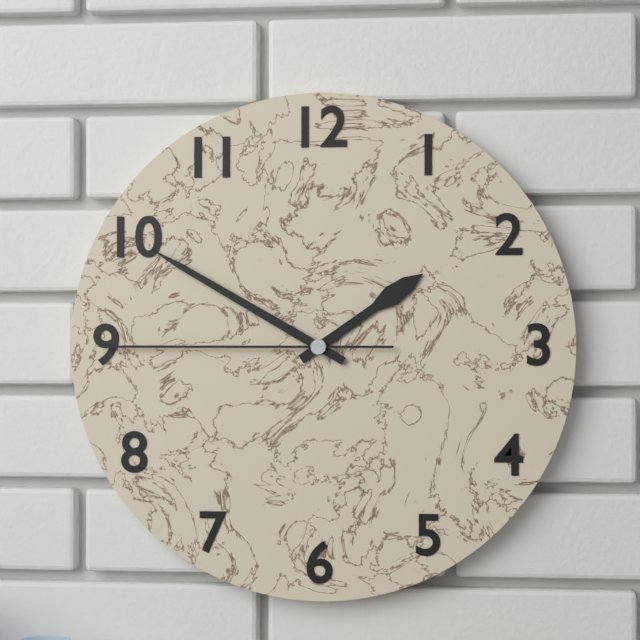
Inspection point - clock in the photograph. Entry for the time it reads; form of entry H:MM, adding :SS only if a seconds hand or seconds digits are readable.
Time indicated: 1:50:45
